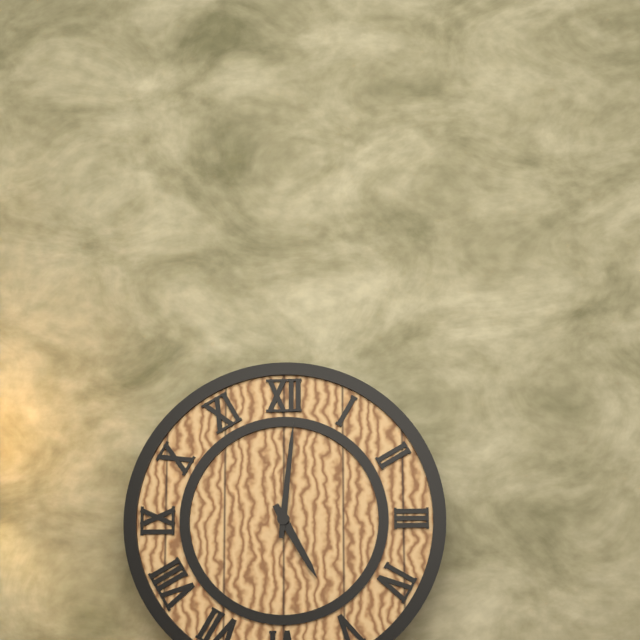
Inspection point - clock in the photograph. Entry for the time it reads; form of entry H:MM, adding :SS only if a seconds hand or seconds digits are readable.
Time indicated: 5:01
